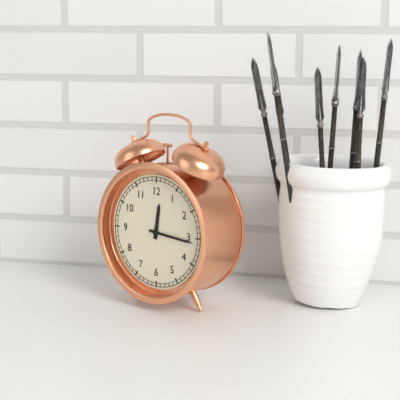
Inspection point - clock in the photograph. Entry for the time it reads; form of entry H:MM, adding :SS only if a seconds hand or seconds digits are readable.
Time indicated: 12:16
